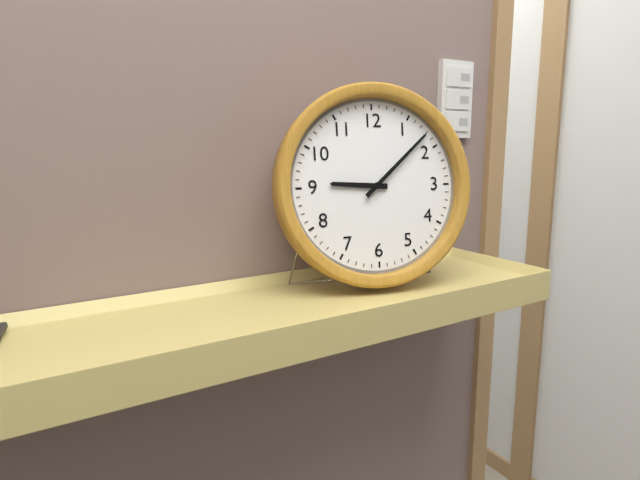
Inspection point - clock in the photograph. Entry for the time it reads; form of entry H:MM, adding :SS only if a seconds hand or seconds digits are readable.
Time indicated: 9:08
